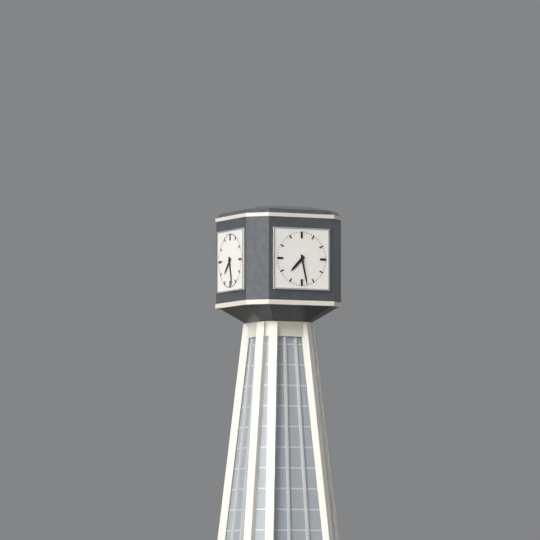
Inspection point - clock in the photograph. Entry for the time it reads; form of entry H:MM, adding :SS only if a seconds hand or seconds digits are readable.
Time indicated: 7:28
